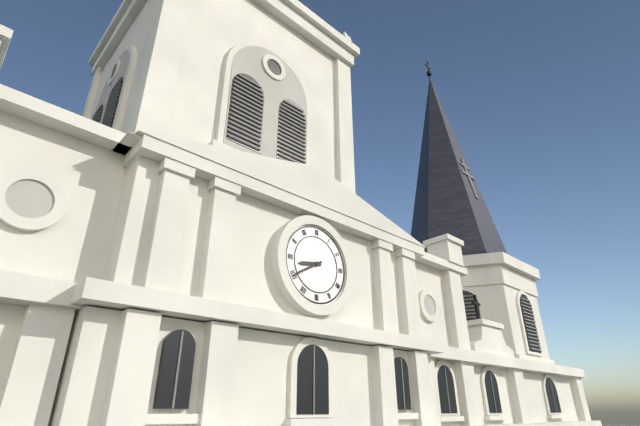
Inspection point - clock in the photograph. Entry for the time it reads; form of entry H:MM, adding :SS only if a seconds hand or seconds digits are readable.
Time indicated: 8:40
